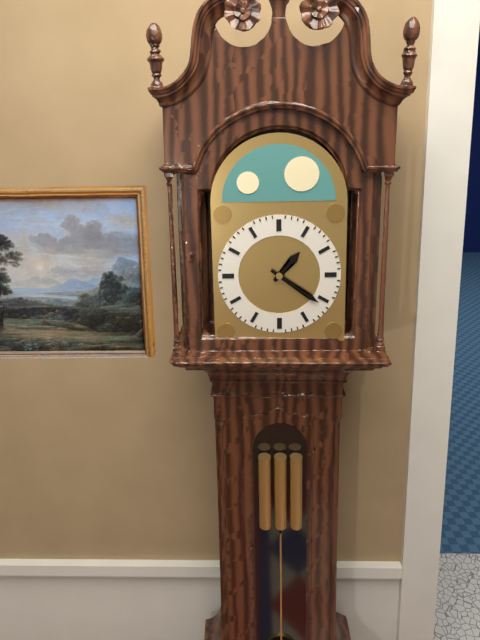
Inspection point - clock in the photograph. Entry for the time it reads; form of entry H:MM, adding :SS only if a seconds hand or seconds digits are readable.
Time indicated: 1:21
